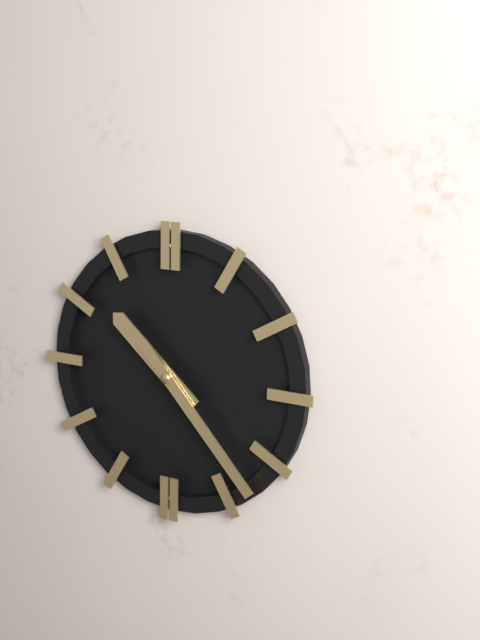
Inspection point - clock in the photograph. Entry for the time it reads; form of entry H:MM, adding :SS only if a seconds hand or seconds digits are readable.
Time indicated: 10:23
